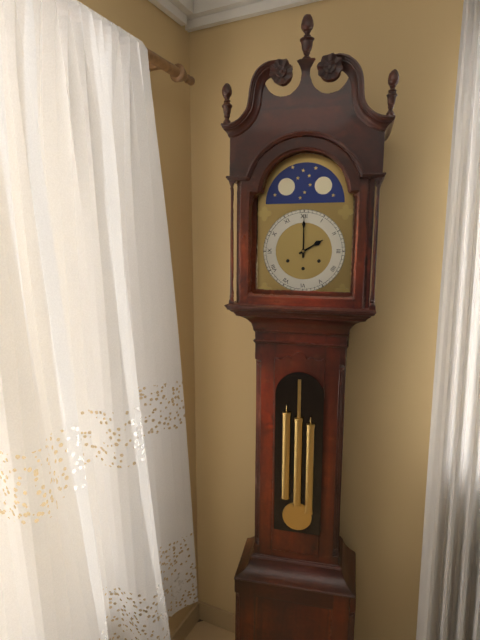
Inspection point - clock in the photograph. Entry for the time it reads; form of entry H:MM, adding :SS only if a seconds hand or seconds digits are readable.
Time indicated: 2:00
